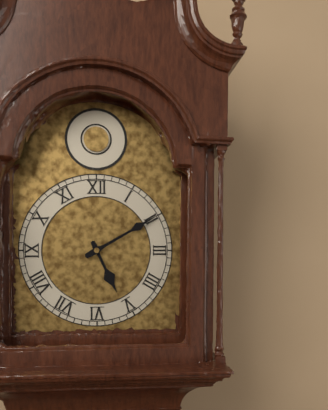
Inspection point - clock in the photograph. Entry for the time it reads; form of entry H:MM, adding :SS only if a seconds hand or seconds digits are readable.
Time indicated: 5:10
